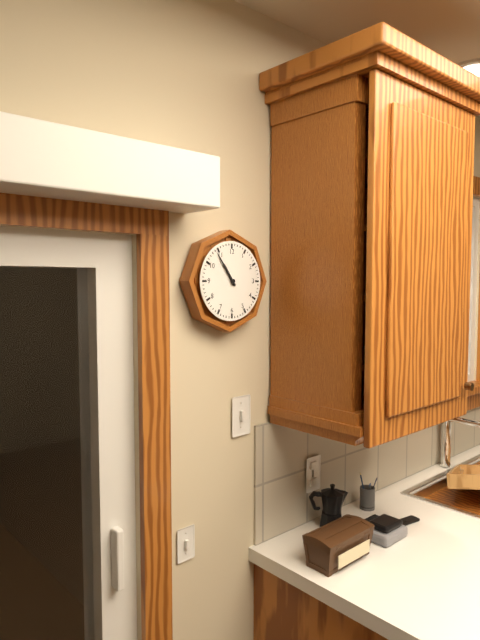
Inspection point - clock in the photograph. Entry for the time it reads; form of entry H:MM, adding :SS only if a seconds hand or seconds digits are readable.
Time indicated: 10:54
